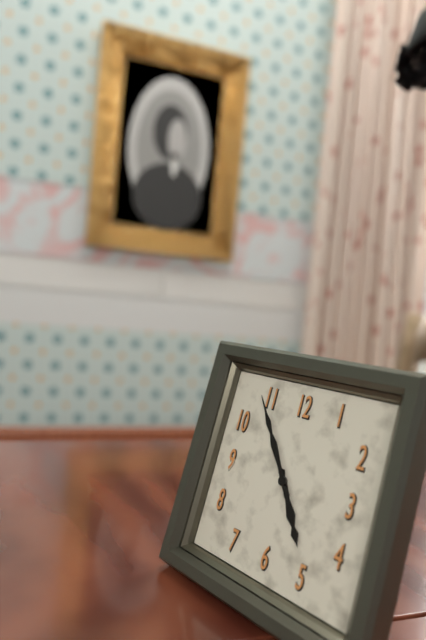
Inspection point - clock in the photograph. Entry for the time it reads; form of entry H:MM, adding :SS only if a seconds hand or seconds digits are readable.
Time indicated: 4:54
